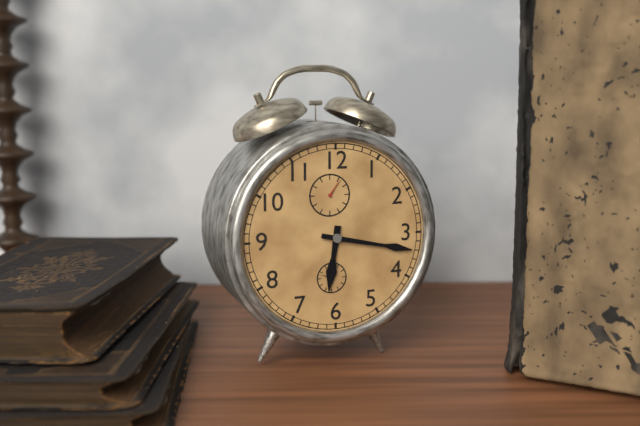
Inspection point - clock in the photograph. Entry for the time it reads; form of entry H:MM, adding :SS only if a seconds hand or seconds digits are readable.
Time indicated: 6:17
